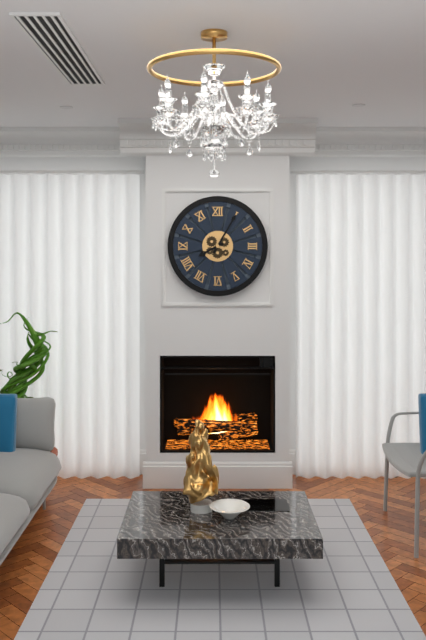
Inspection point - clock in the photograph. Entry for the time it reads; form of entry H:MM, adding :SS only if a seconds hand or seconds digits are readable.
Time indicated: 8:05
